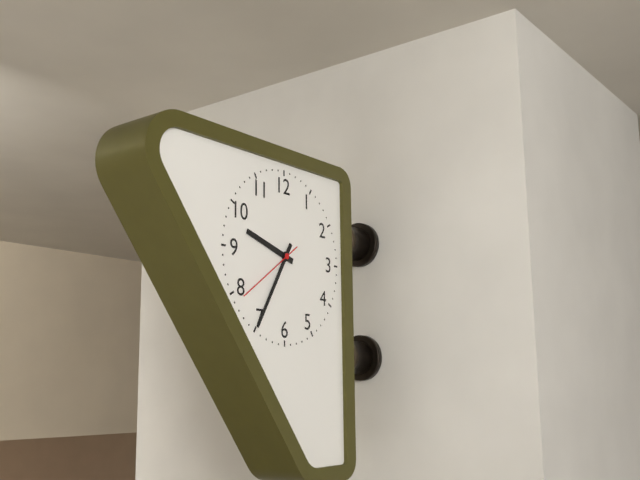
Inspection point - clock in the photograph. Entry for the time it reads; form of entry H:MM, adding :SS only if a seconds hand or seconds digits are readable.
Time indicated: 9:35:39
